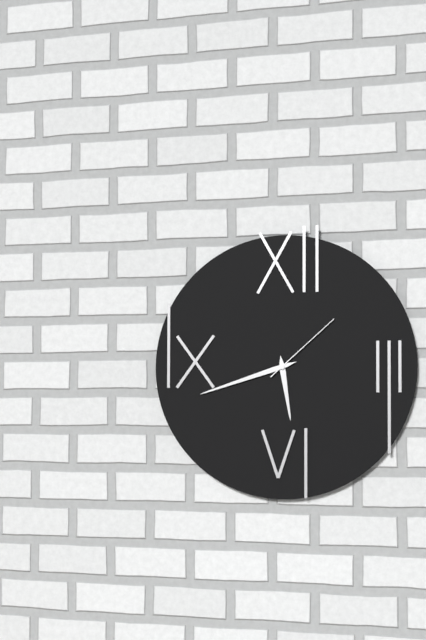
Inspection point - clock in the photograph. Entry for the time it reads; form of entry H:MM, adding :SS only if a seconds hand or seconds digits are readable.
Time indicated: 5:42:08
